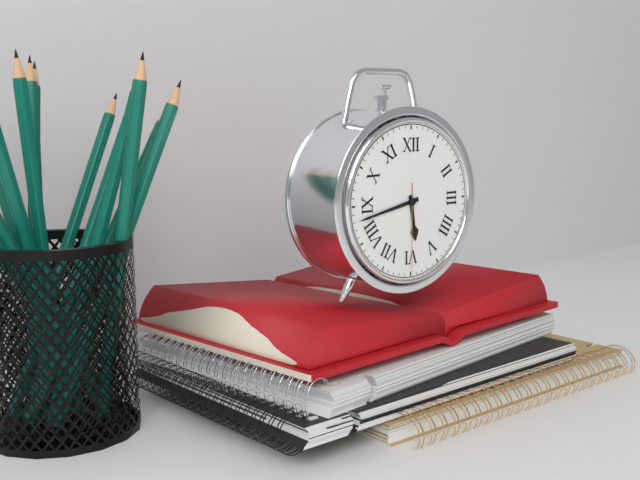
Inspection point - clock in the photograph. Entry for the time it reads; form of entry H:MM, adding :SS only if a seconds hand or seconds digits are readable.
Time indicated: 5:43:30
